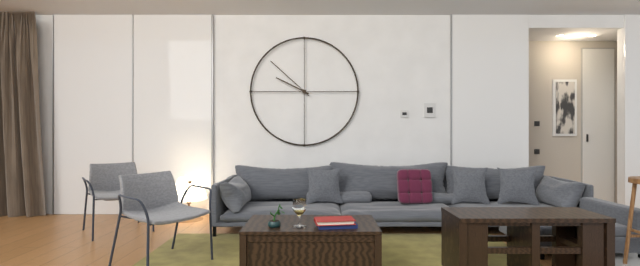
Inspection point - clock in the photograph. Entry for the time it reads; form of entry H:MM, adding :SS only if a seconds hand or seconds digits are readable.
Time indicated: 9:52
